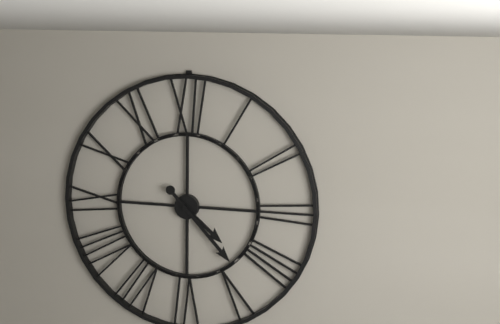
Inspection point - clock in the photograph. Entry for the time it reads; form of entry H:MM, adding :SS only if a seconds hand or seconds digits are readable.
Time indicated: 4:23
